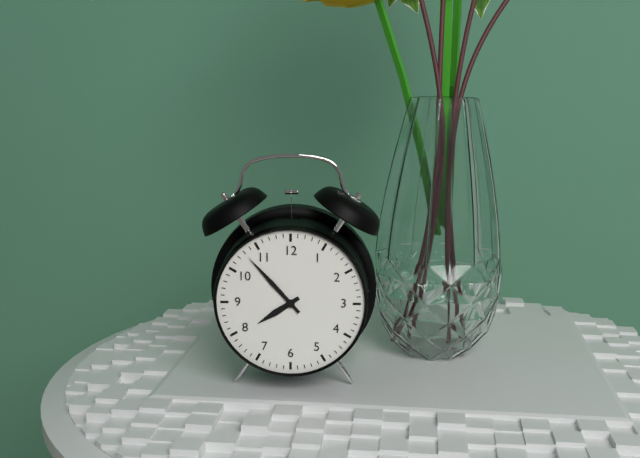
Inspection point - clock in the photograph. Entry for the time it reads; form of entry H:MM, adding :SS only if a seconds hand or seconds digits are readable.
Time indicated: 7:53
